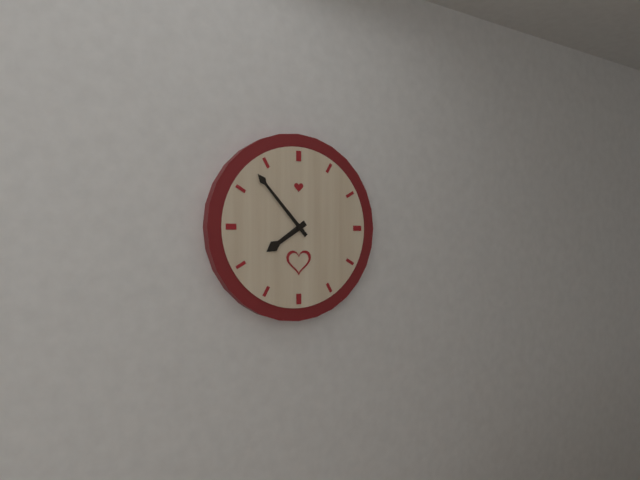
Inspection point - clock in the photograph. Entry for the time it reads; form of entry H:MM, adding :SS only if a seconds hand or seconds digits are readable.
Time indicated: 7:53
